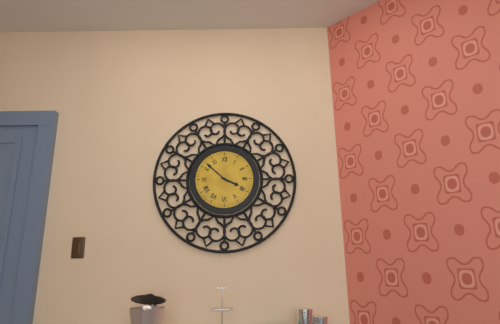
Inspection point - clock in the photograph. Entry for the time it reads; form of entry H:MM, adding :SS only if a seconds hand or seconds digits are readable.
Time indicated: 3:52
